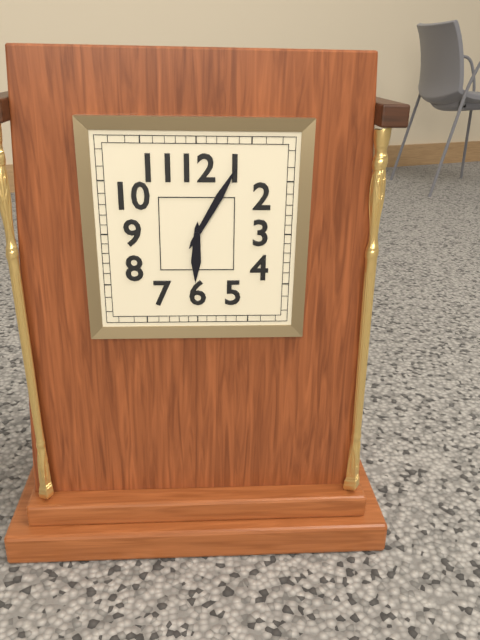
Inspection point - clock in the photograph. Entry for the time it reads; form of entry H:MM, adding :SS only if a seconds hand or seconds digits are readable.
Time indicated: 6:05
